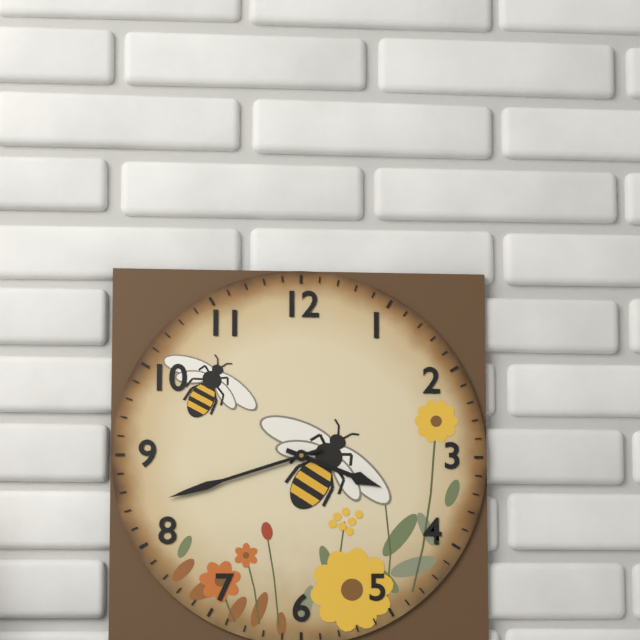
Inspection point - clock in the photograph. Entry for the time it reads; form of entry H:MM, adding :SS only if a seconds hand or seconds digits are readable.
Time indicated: 3:42
